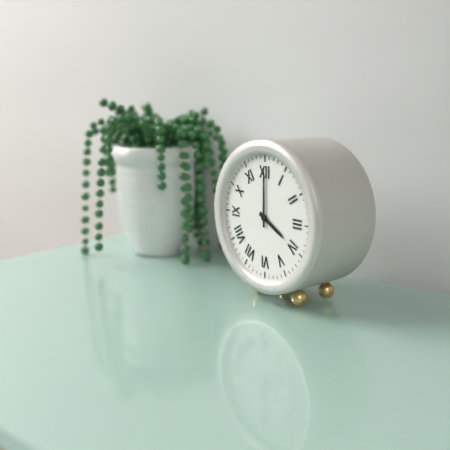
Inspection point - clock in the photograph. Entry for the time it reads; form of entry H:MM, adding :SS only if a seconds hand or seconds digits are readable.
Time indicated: 4:00
